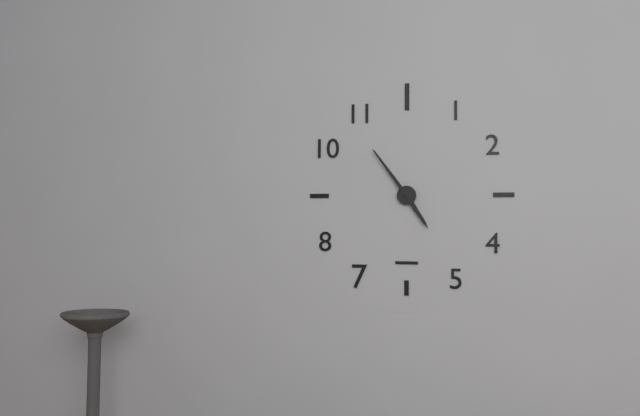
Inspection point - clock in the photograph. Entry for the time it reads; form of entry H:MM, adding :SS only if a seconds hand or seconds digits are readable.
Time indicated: 4:54
